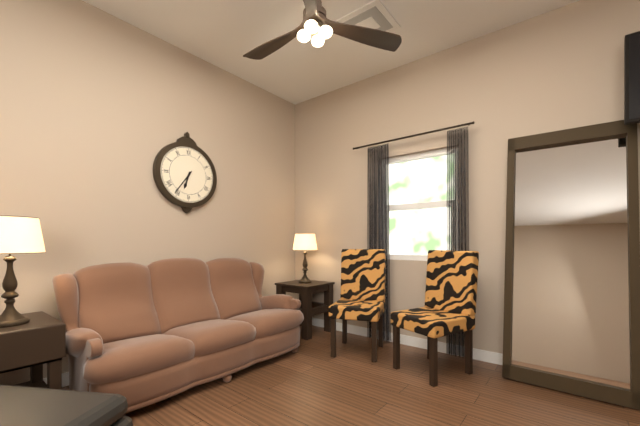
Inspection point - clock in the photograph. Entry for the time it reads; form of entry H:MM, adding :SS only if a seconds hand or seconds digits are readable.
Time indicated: 6:36
